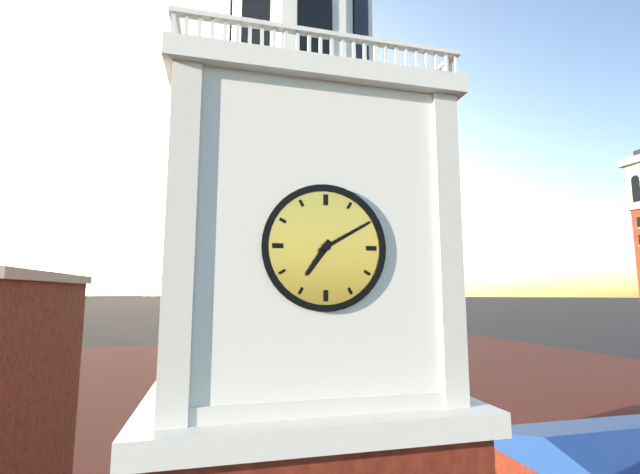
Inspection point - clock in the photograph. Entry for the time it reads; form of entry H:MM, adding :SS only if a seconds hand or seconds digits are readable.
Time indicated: 7:10
